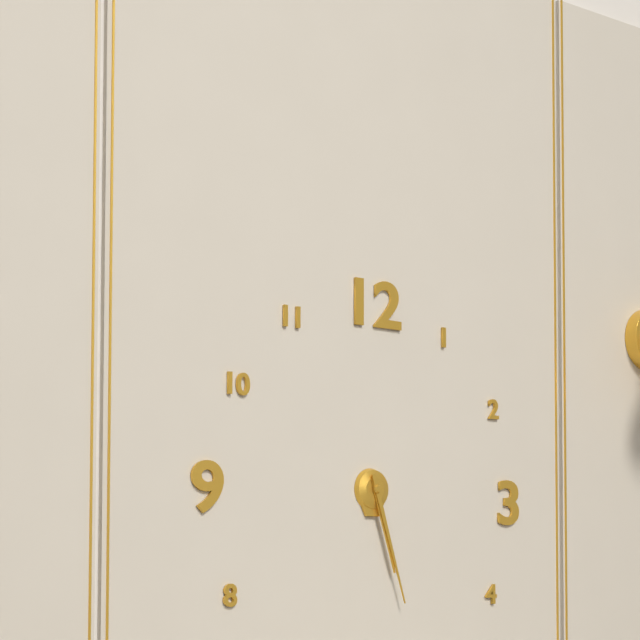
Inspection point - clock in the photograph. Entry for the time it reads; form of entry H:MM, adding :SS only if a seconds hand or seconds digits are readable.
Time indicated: 5:27
